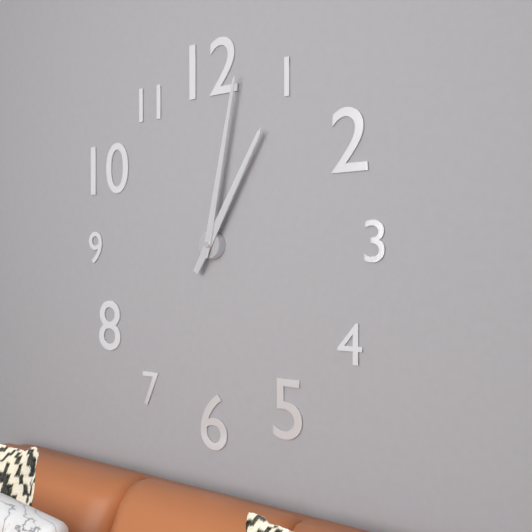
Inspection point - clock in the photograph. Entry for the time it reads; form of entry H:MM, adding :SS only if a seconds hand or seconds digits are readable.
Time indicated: 1:02
